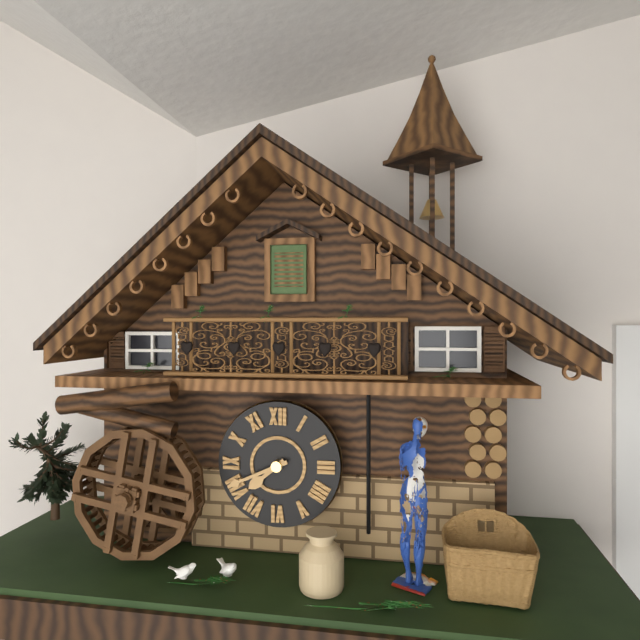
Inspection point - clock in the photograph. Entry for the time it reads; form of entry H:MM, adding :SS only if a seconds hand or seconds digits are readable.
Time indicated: 7:41
